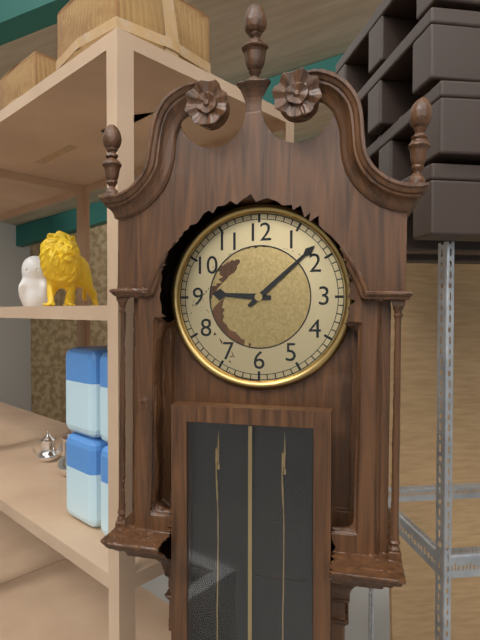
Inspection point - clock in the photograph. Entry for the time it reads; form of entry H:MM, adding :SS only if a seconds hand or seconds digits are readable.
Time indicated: 9:08
